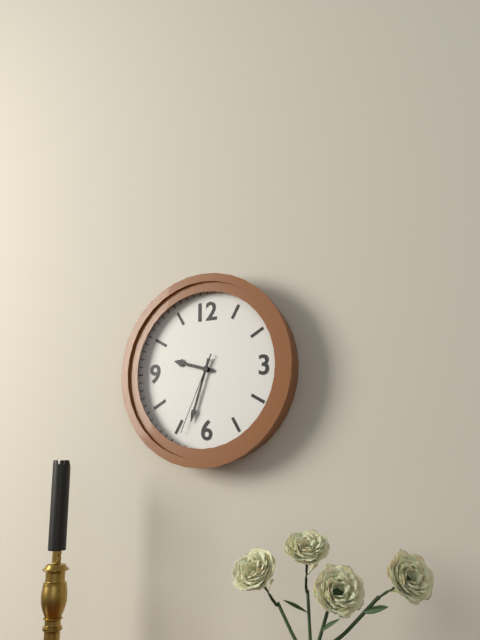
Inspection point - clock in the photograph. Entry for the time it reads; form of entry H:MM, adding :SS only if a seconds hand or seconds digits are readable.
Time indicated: 9:33:34
